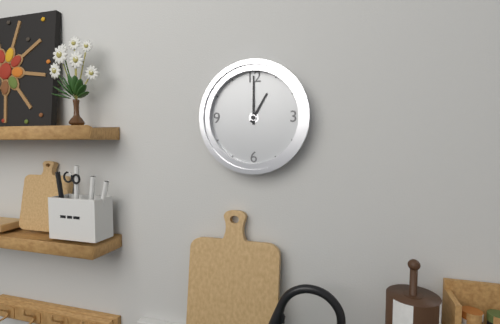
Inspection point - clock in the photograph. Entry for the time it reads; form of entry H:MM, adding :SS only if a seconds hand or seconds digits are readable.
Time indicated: 1:00
